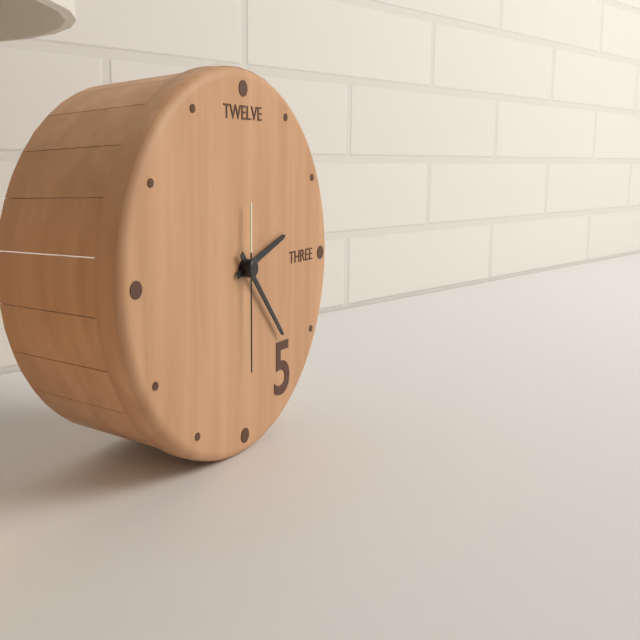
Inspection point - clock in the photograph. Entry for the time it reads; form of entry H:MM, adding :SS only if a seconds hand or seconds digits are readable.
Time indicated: 2:23:30
